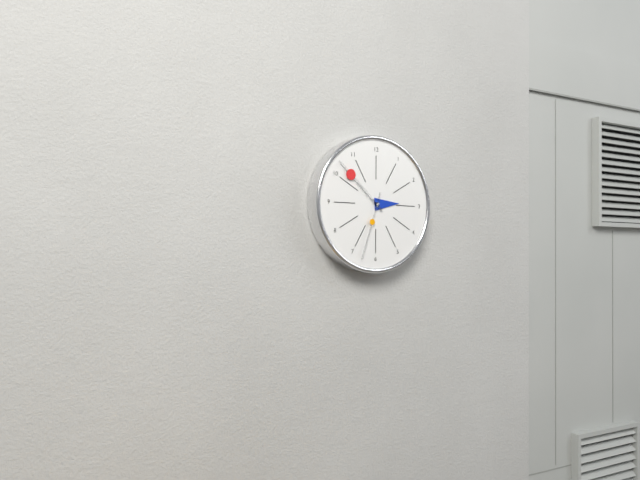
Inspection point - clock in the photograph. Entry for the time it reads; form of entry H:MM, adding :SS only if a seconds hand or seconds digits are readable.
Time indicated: 2:52:33
